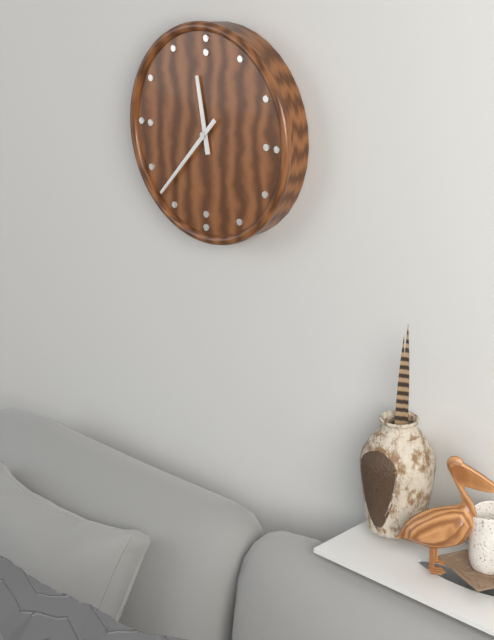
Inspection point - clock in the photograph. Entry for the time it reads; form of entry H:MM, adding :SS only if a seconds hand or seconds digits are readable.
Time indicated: 11:37
